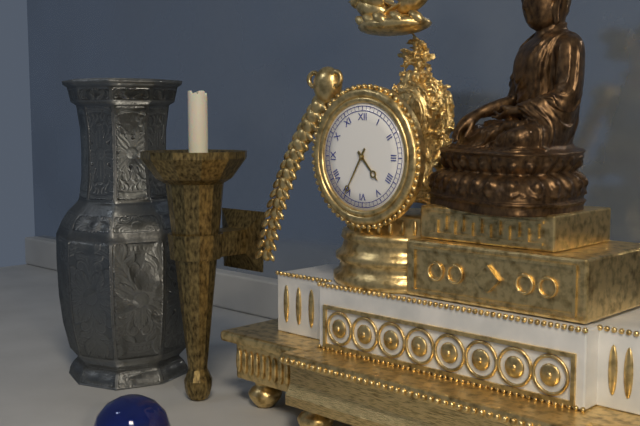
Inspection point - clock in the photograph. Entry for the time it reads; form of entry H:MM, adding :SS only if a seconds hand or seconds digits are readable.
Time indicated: 4:35
